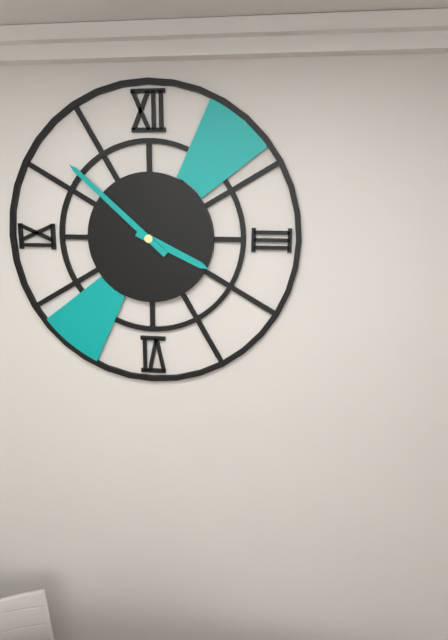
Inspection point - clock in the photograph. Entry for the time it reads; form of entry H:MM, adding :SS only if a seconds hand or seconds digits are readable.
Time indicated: 3:52
